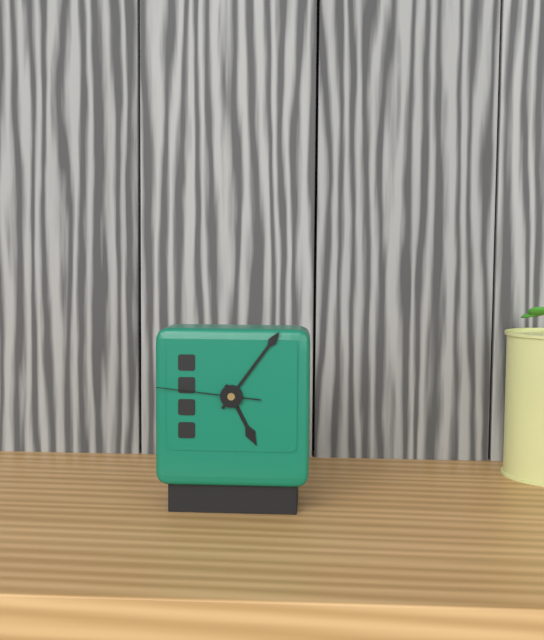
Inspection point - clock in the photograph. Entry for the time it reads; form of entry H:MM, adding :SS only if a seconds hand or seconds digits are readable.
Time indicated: 5:06:46
